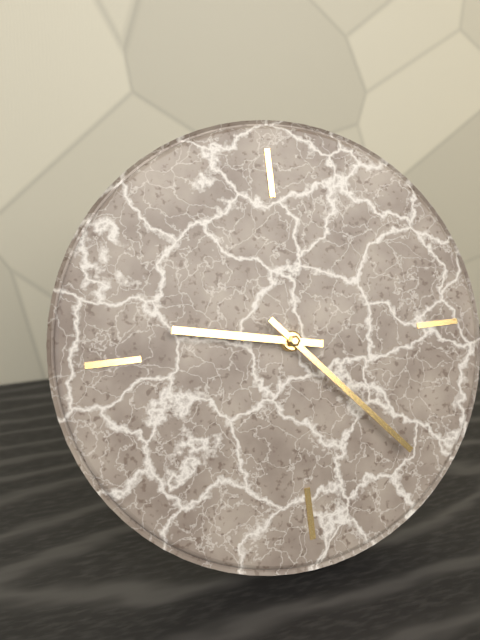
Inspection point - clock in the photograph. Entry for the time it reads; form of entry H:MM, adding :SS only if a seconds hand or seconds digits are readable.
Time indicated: 9:23
